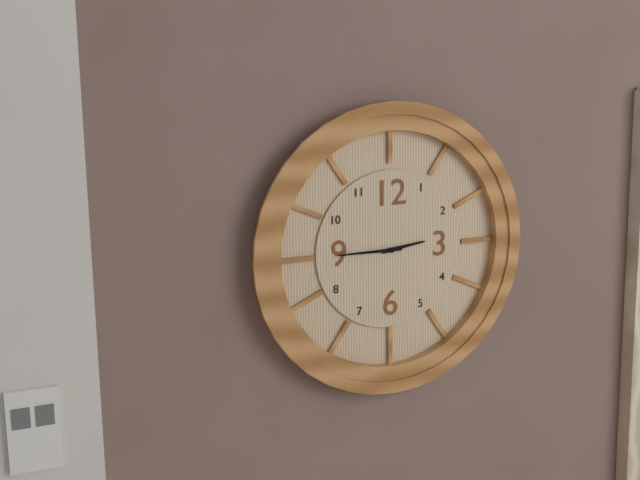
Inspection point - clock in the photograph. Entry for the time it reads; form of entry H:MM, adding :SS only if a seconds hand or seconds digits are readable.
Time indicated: 2:45
